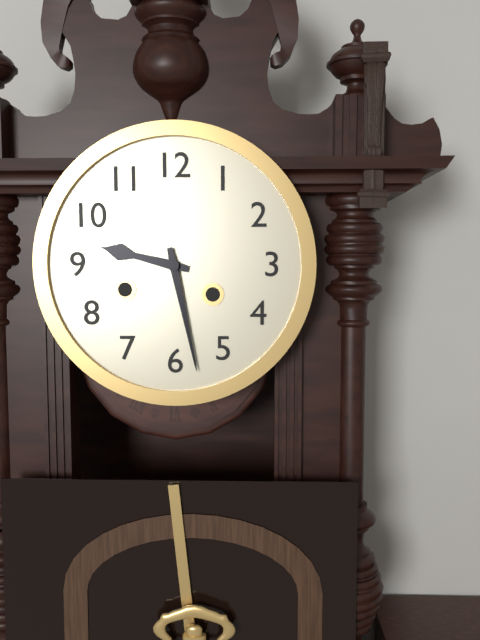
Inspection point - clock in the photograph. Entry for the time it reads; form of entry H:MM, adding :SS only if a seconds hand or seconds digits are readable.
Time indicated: 9:28
